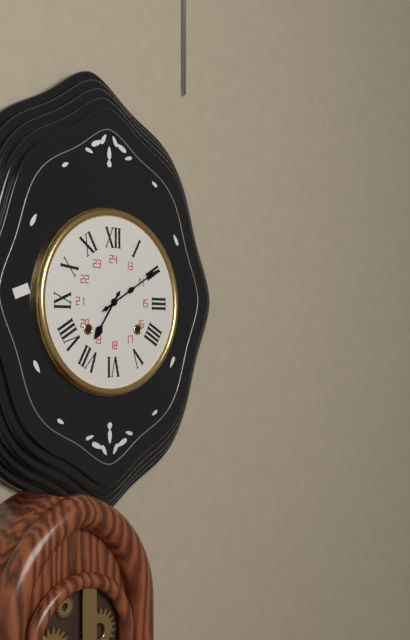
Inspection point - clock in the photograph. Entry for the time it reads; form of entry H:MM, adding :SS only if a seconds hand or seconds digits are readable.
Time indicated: 7:10
